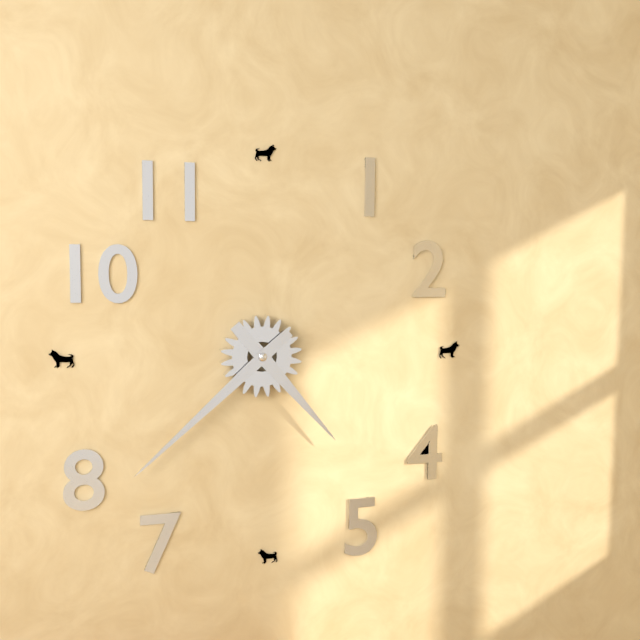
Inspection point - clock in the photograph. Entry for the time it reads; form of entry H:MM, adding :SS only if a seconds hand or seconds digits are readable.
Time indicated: 4:38
